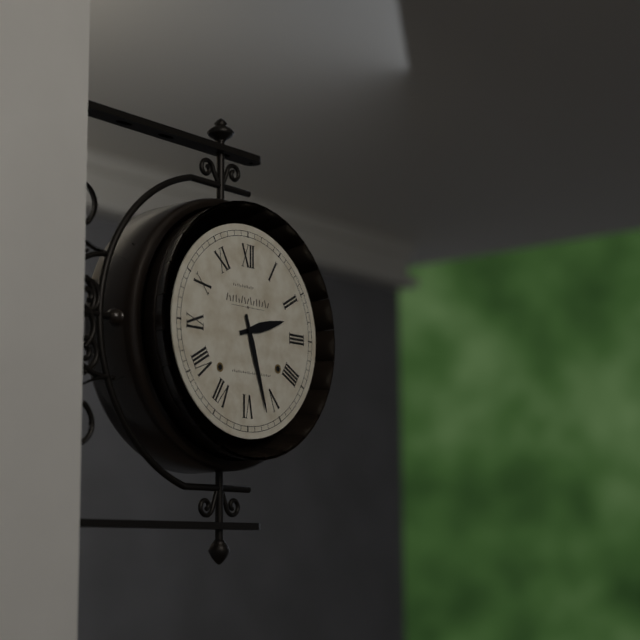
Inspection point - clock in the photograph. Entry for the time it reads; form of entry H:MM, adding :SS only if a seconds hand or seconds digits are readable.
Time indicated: 2:27
